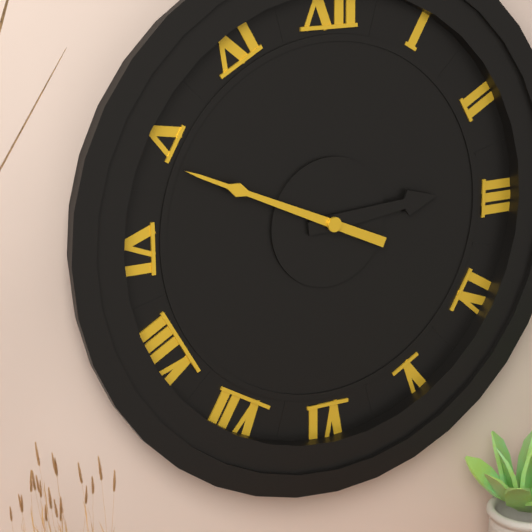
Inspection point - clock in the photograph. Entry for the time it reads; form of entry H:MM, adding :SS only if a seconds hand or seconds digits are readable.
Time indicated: 2:49
